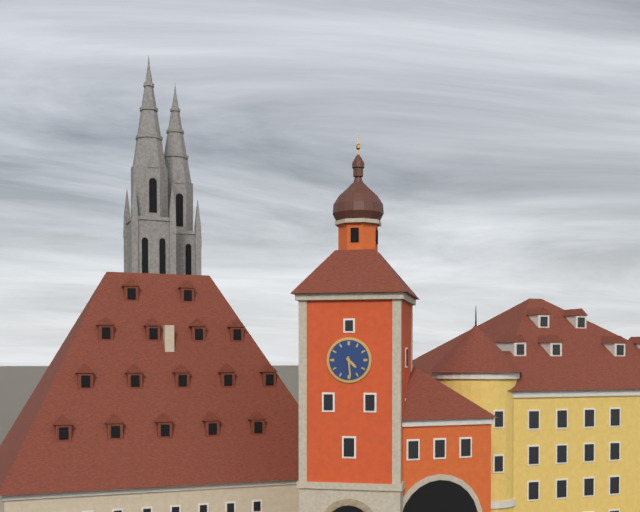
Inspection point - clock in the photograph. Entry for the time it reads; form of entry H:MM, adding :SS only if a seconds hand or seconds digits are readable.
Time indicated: 4:29
